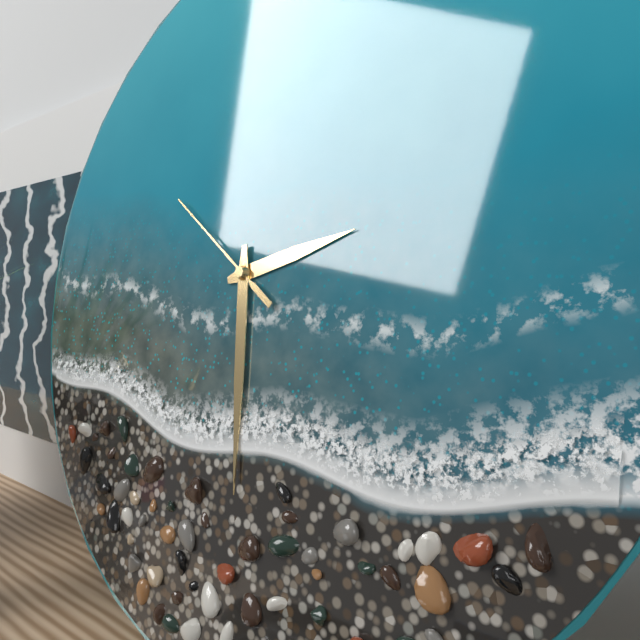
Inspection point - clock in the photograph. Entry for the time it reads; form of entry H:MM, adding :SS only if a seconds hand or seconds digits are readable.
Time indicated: 2:29:51
